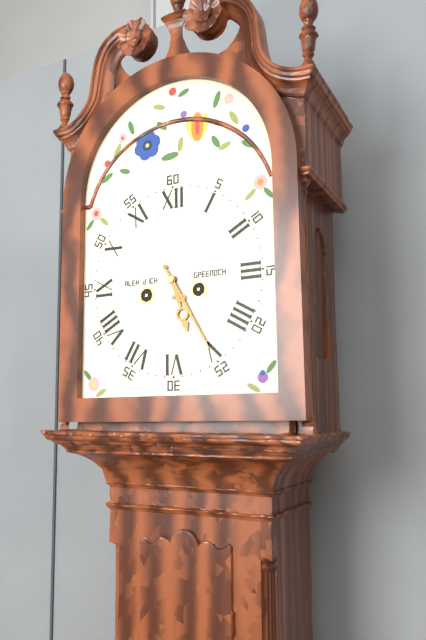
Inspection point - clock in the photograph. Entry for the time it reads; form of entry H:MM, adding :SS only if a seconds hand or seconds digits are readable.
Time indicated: 5:25
